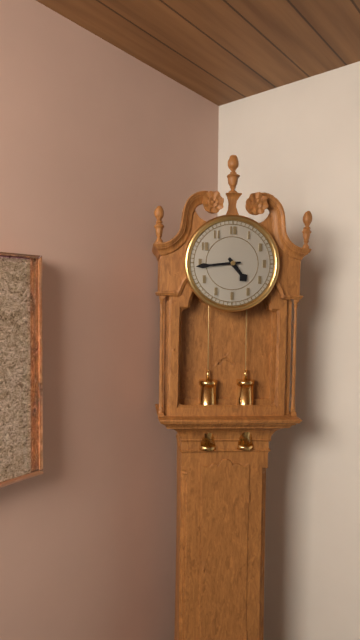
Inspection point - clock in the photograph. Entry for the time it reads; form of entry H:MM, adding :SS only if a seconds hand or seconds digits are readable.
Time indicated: 4:44
